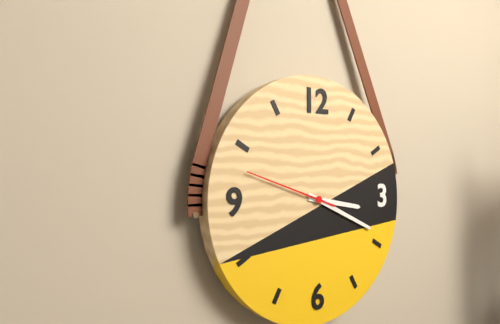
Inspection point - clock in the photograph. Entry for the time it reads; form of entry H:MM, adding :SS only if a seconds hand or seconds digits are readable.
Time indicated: 3:19:48
